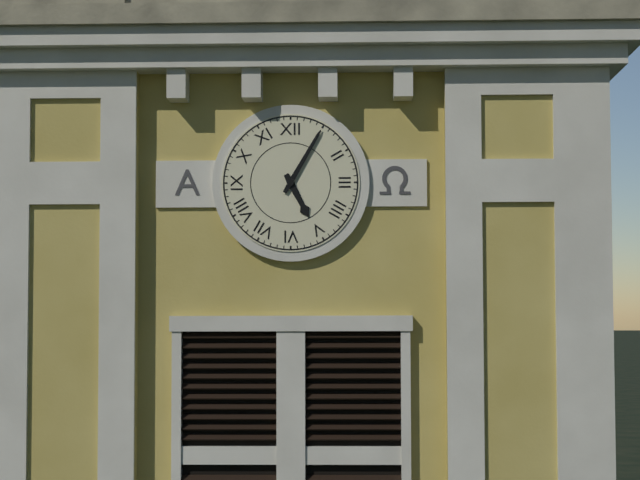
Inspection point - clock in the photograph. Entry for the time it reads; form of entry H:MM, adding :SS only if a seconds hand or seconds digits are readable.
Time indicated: 5:05
